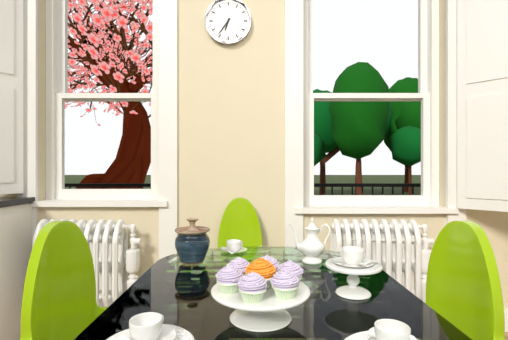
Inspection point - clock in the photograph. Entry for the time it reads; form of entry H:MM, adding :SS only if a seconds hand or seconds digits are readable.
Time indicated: 6:36
